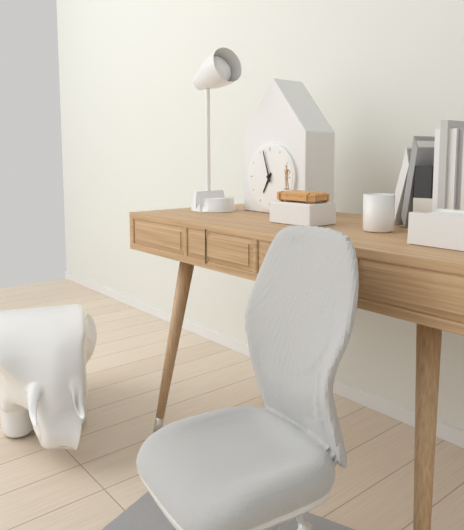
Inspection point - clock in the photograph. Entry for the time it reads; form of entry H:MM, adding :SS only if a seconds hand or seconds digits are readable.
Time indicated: 6:57
